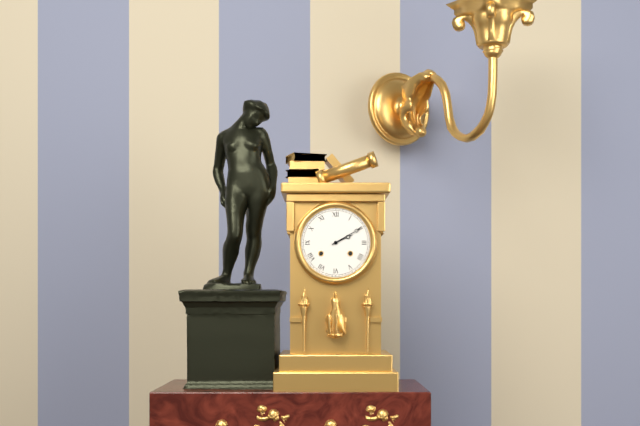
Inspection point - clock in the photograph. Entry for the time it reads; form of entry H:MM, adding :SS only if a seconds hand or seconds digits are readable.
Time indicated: 2:10
